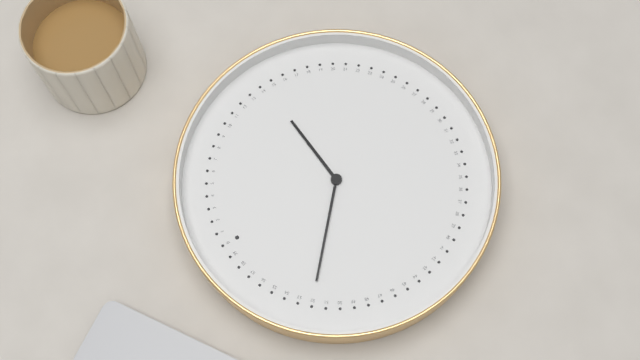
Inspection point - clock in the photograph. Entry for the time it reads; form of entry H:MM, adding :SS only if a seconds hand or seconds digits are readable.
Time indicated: 2:52
